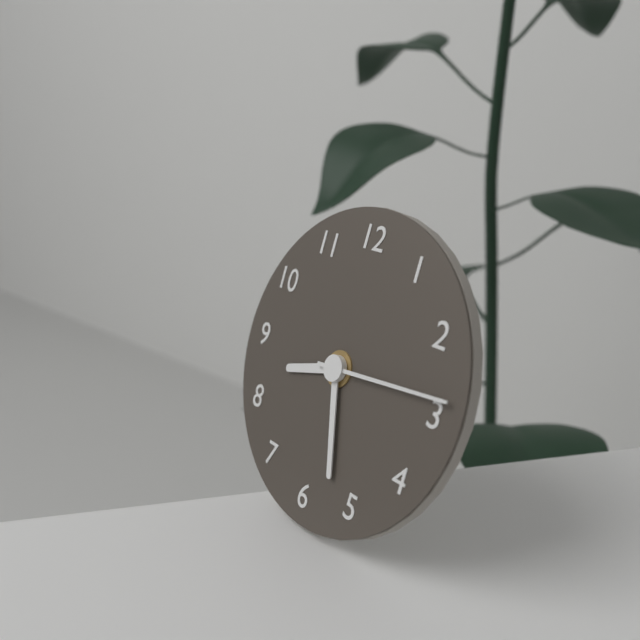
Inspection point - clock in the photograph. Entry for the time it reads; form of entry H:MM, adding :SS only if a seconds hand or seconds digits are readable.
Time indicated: 8:27:14
